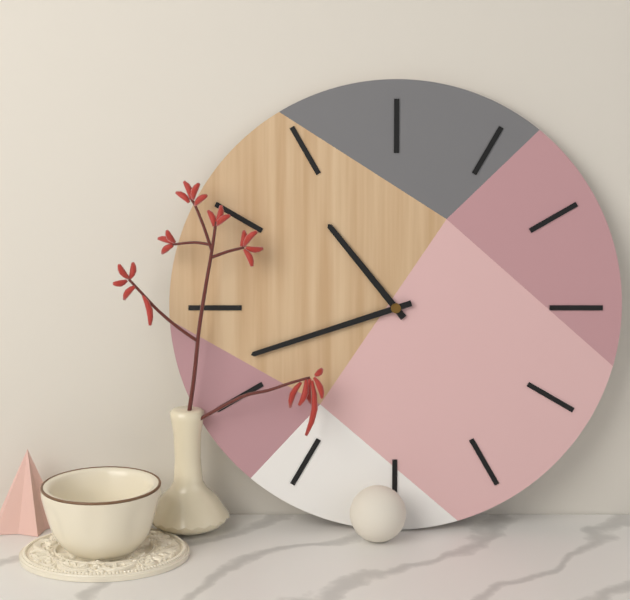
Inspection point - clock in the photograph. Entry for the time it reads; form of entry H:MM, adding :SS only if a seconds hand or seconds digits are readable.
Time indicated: 10:42
